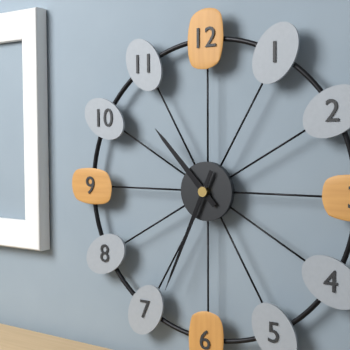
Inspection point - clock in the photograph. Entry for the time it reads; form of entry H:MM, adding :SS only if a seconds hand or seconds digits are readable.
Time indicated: 10:34
